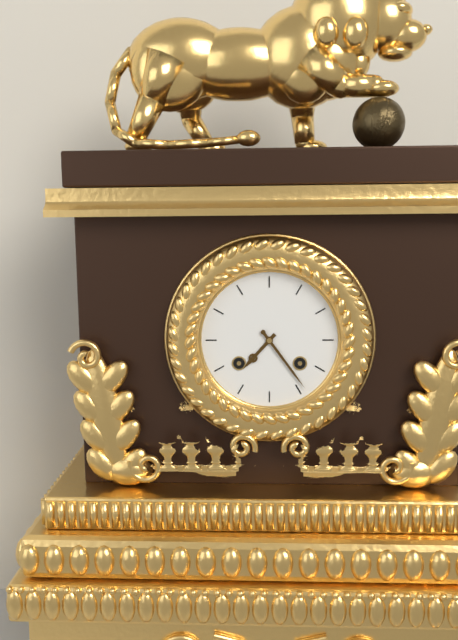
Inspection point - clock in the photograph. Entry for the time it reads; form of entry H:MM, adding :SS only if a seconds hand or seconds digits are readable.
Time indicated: 7:24
